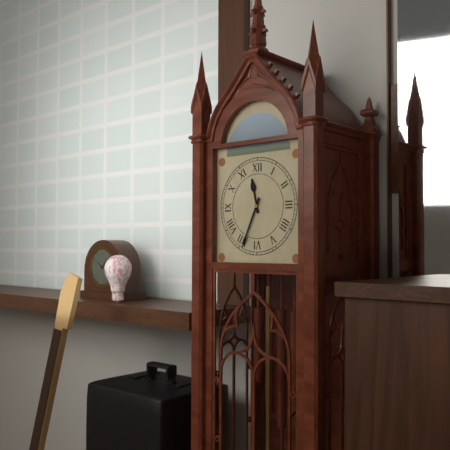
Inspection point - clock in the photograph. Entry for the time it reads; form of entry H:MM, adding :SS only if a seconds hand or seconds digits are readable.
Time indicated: 11:34
